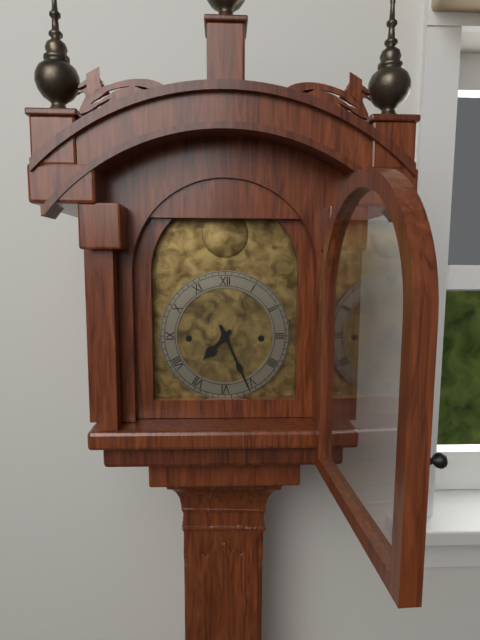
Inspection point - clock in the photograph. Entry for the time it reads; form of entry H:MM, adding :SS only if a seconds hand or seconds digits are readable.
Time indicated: 7:26
